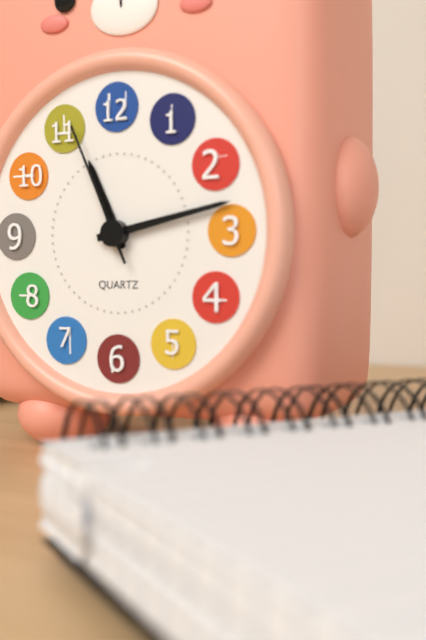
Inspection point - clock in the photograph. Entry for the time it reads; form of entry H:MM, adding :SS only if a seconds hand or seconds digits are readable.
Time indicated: 11:13:56
